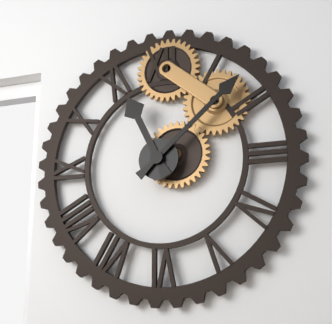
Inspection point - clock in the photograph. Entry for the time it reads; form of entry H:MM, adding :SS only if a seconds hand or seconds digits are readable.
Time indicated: 11:08
